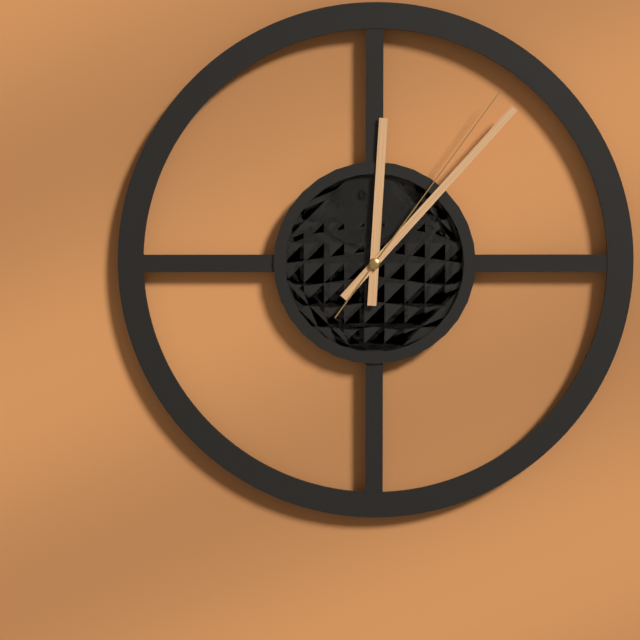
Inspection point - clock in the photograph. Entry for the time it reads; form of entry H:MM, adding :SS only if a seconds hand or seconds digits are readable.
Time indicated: 12:07:06
